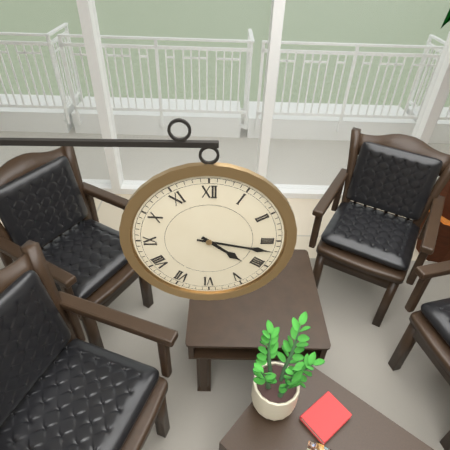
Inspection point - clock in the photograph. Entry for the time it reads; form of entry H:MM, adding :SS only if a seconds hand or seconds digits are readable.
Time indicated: 4:17
